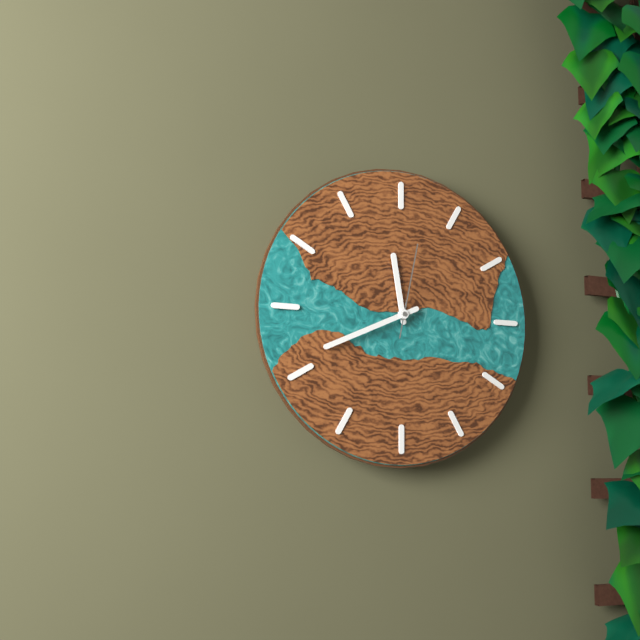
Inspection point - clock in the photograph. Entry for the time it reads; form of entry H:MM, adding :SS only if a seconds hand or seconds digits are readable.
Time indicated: 11:41:02
